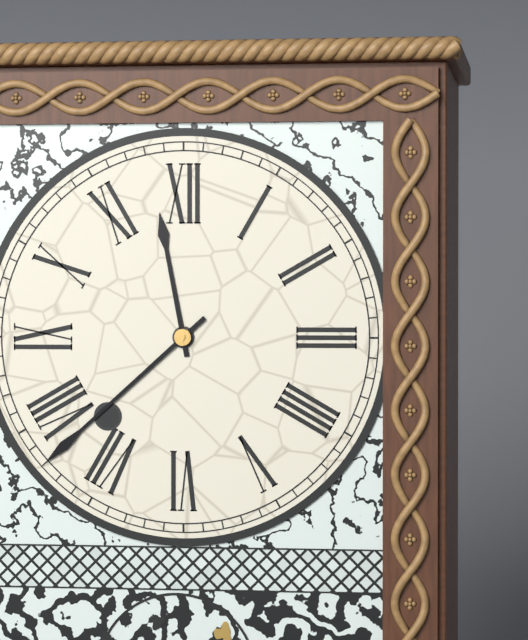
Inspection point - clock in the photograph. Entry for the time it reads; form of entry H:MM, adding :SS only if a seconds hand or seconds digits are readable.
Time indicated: 11:38
